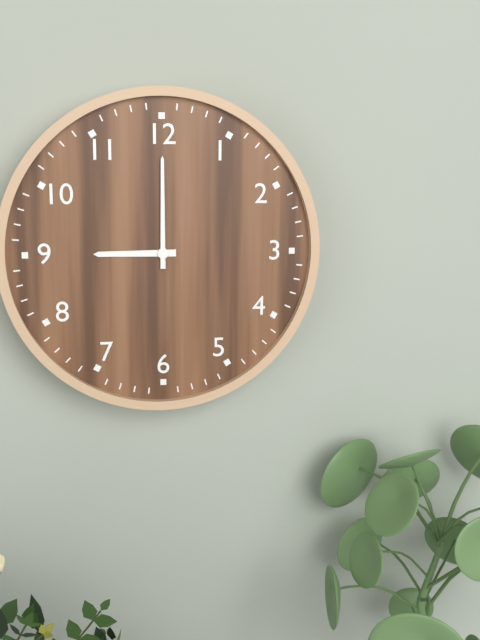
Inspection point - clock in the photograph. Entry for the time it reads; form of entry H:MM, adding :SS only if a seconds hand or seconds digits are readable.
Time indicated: 9:00
